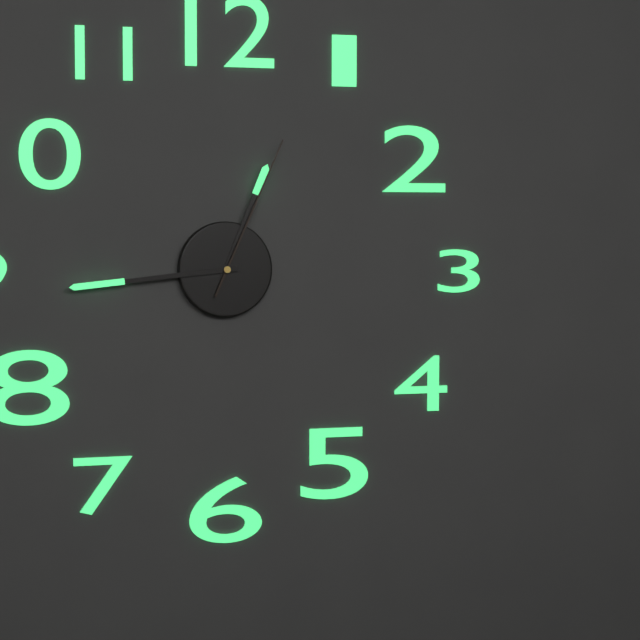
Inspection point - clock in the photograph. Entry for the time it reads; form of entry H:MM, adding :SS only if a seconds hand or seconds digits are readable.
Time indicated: 12:44:04
